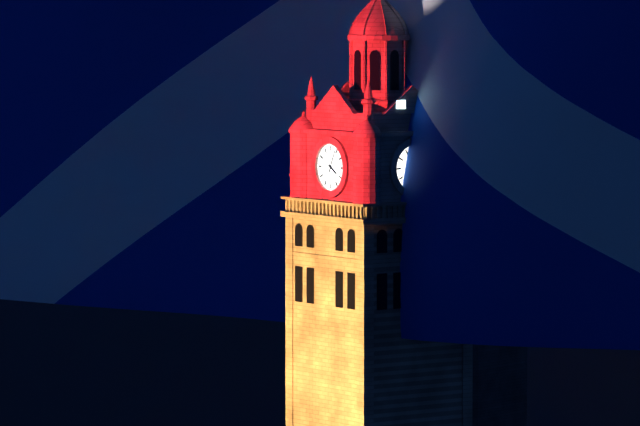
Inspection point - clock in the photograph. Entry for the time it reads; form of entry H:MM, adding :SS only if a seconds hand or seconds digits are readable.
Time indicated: 4:04
